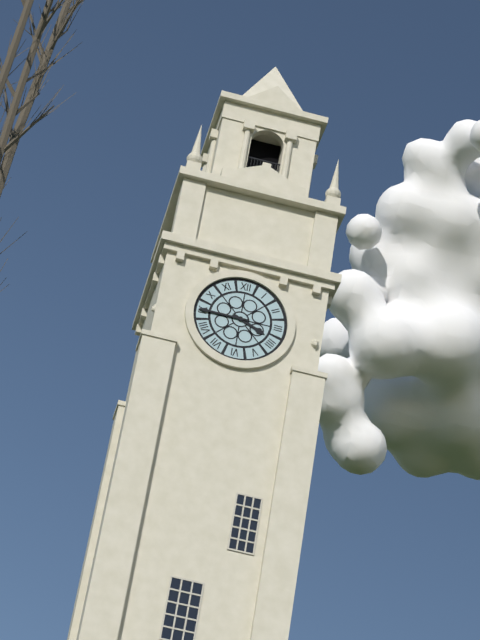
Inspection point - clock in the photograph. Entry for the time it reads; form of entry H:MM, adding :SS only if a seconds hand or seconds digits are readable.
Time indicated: 3:45
